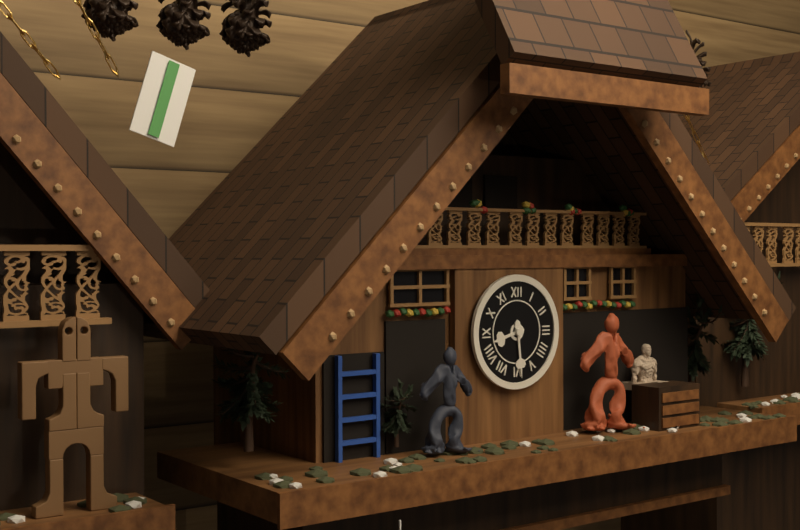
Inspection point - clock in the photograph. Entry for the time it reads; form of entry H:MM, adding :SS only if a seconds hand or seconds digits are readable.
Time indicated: 8:29
